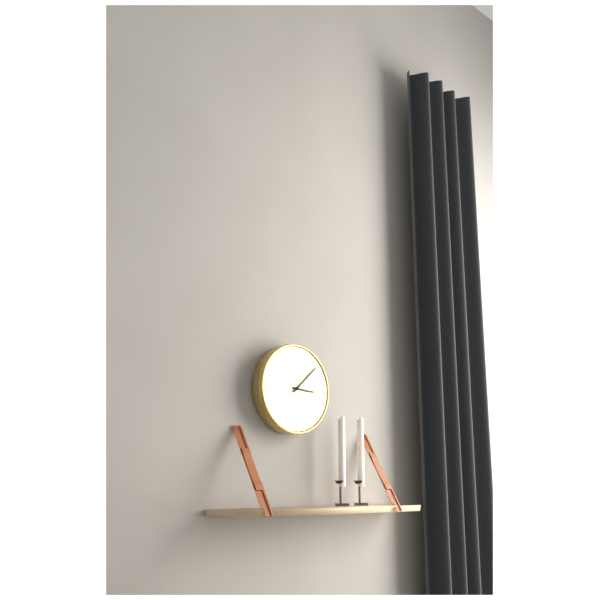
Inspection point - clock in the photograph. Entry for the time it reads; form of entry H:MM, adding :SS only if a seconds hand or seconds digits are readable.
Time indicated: 3:08
